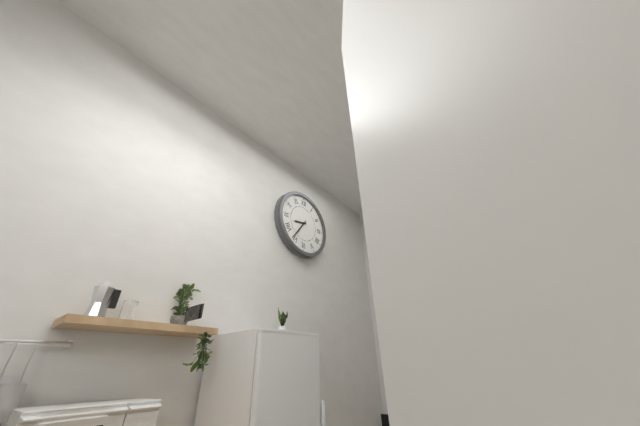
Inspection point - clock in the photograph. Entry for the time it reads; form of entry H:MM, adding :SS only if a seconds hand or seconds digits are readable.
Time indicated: 8:36
